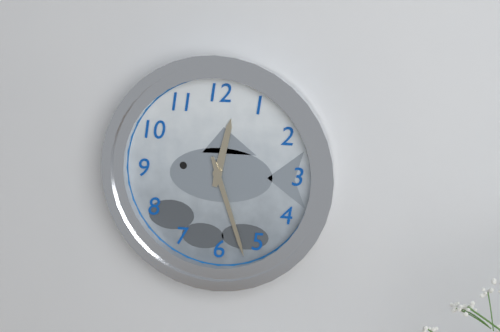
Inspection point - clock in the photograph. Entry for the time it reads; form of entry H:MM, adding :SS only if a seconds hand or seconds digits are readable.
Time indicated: 12:27
